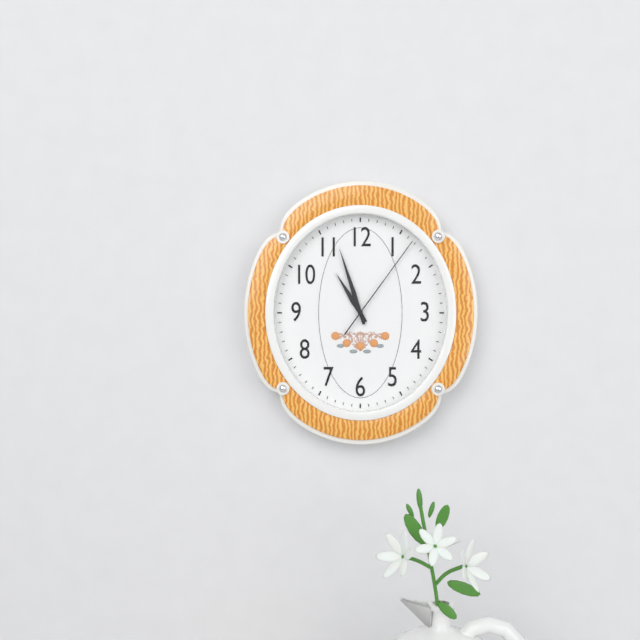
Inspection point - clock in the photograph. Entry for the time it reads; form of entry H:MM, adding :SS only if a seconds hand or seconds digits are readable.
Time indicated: 10:57:06
